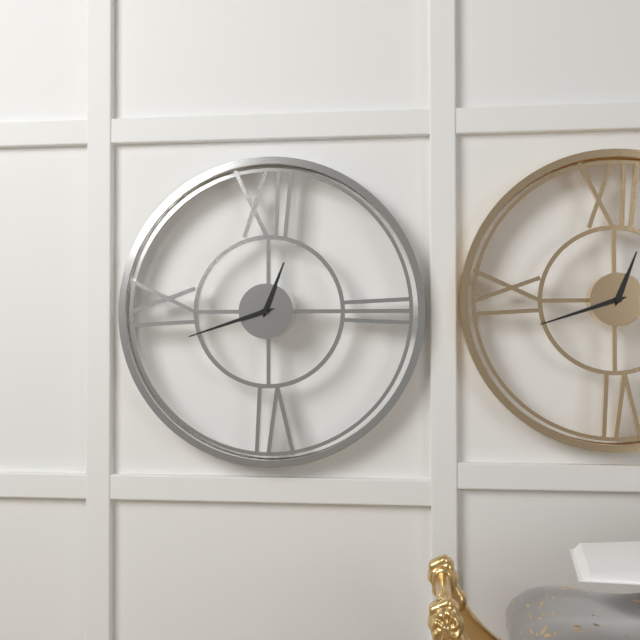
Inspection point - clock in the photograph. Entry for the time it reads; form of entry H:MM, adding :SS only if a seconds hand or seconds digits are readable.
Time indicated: 12:42
